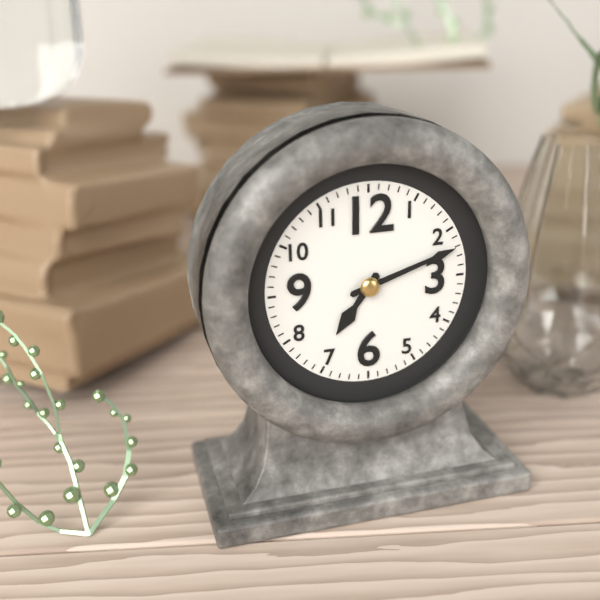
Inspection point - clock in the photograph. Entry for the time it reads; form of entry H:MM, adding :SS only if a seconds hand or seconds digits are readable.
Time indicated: 7:12
